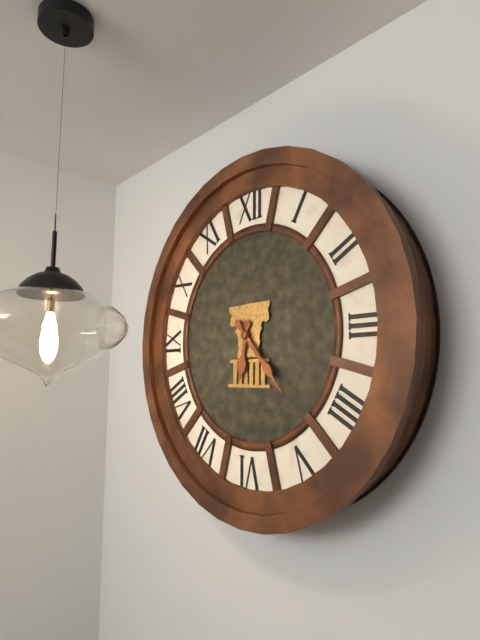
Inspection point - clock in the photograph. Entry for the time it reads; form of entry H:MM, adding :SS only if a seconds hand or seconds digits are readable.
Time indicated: 6:23
